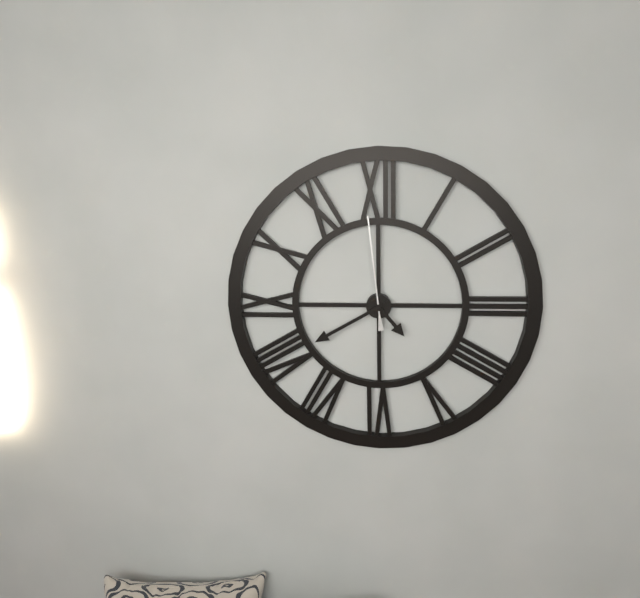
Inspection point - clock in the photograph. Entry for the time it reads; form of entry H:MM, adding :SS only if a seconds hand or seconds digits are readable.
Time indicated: 4:40:59
